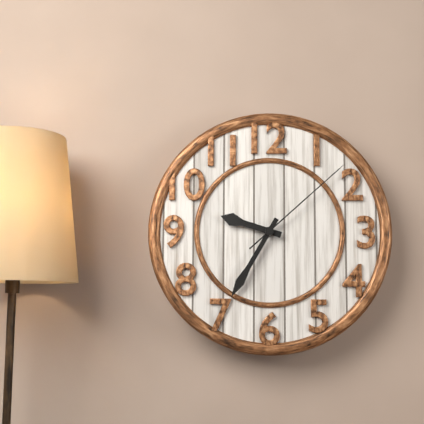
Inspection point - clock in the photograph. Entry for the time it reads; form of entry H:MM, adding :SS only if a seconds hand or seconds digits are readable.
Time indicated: 9:35:08
